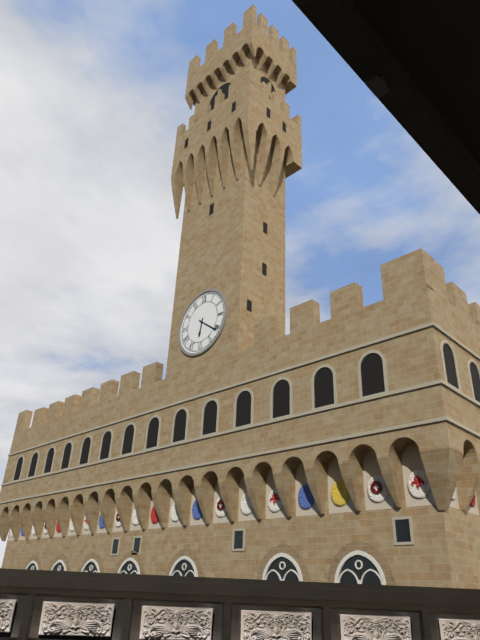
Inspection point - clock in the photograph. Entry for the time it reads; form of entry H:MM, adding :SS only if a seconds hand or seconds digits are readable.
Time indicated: 6:21
